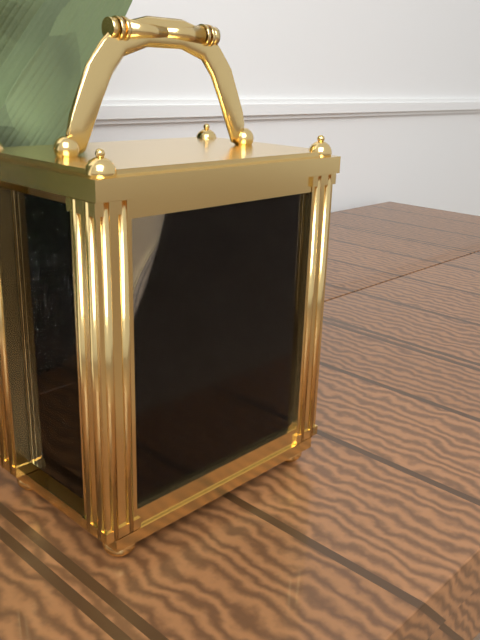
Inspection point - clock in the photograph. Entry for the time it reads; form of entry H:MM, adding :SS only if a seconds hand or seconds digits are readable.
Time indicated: 6:40
